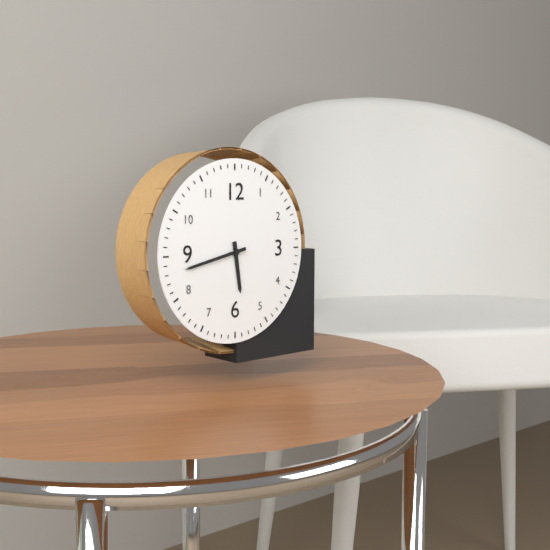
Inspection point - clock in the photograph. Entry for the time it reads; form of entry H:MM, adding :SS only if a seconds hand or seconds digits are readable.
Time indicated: 5:43
